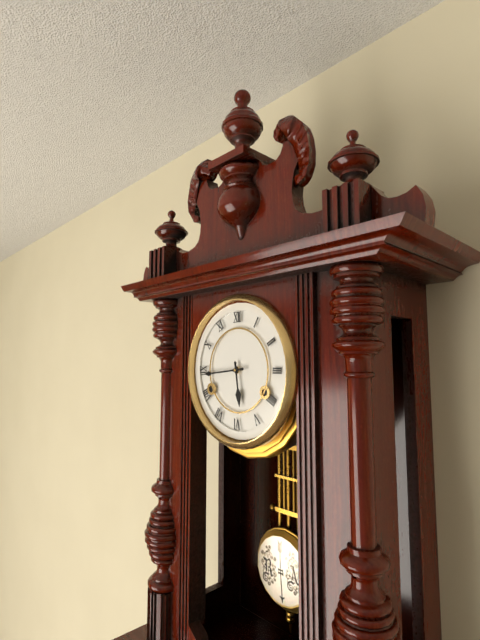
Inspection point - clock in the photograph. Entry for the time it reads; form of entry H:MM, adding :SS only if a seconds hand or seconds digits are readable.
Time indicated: 5:44
